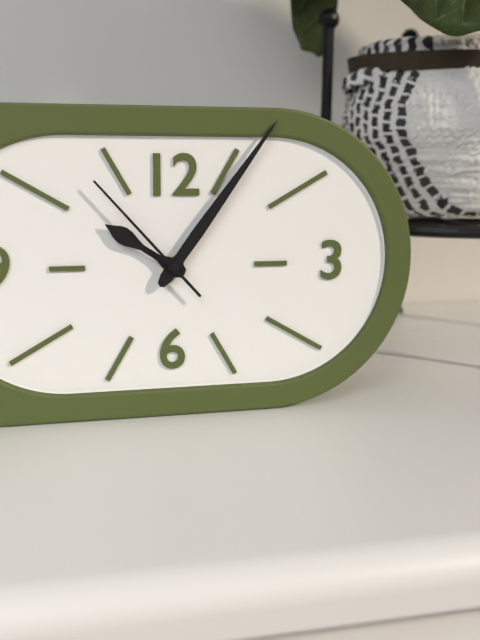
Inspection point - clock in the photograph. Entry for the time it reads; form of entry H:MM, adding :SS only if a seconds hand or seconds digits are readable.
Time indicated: 10:06:53
